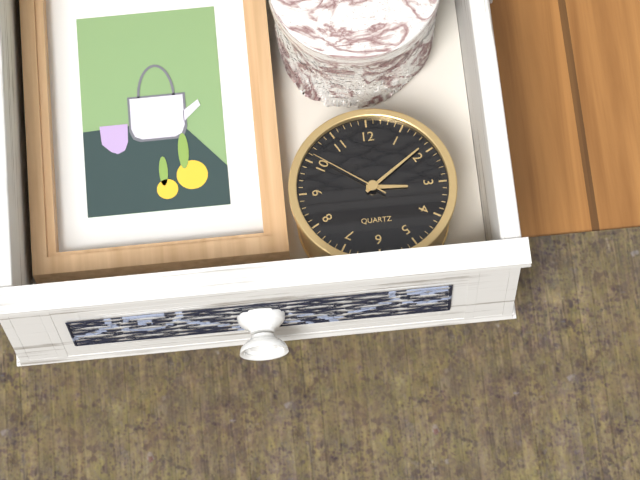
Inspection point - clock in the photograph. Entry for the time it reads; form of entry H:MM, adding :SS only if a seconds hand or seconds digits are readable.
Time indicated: 3:09:51
